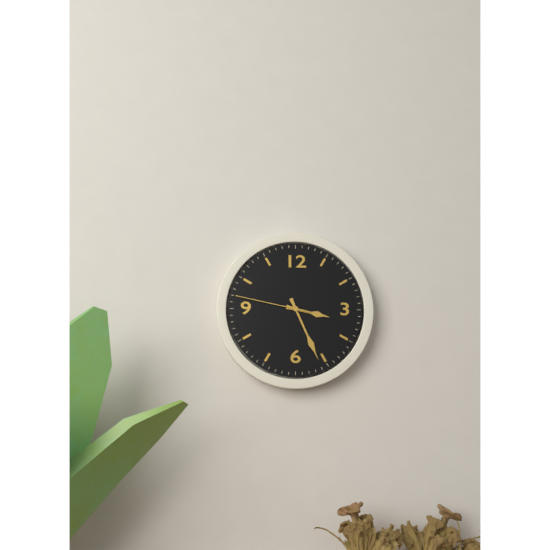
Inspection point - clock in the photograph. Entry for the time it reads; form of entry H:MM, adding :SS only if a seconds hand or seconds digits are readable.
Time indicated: 3:26:47
